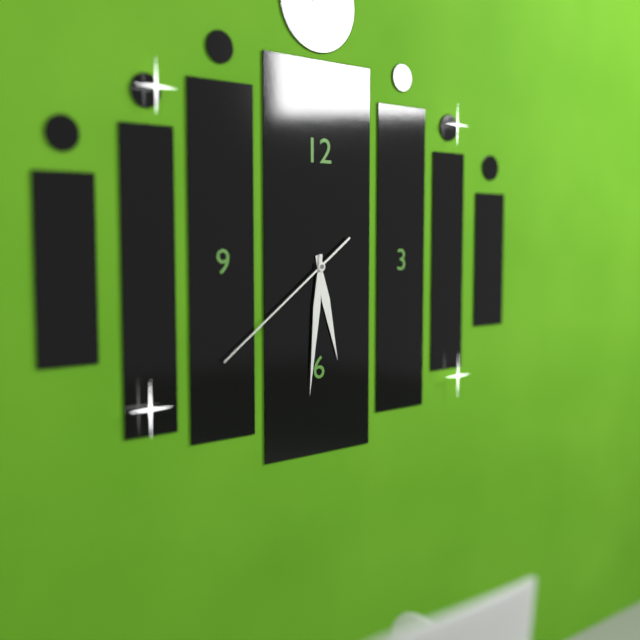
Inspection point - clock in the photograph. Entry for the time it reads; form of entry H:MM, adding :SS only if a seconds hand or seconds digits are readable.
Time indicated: 5:31:39
